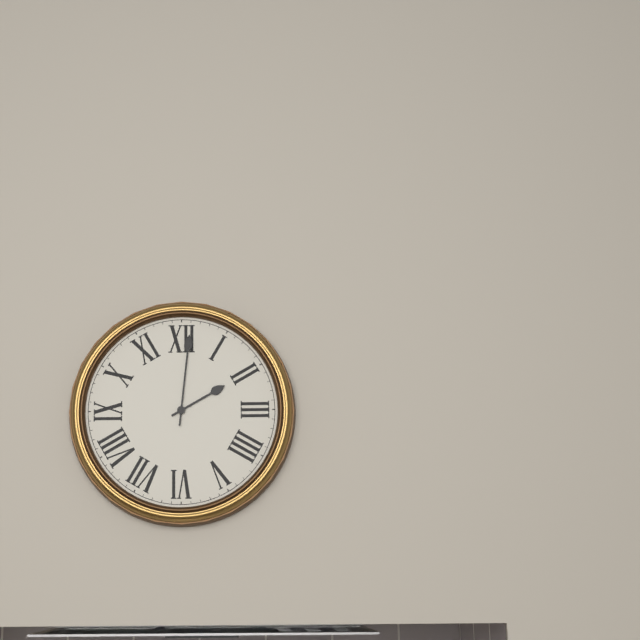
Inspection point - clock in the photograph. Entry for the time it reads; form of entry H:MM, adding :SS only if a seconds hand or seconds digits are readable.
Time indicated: 2:01
